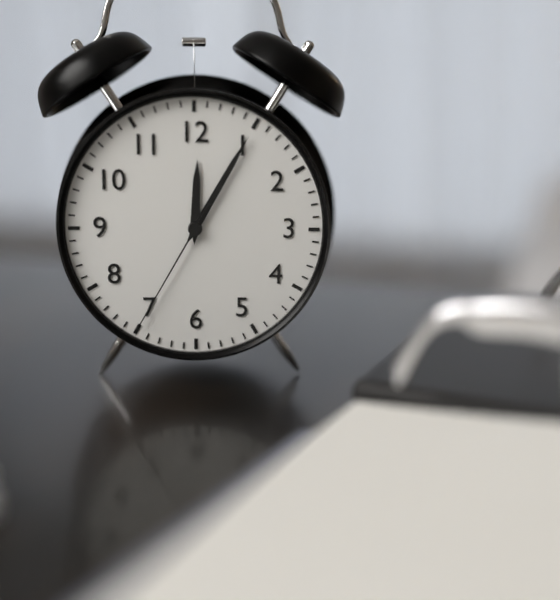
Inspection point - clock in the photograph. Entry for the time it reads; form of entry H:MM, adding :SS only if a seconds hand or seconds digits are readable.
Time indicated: 12:05:35
